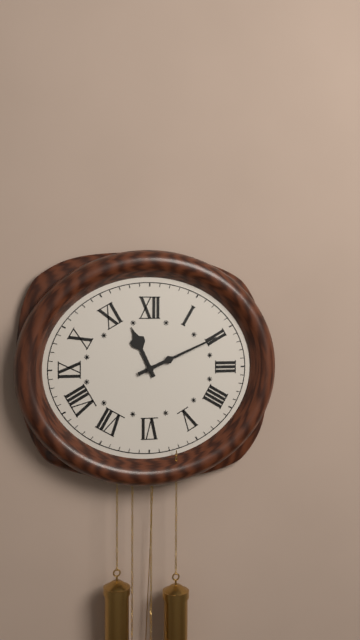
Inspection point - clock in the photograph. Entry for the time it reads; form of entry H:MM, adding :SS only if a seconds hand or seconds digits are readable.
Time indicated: 11:11
